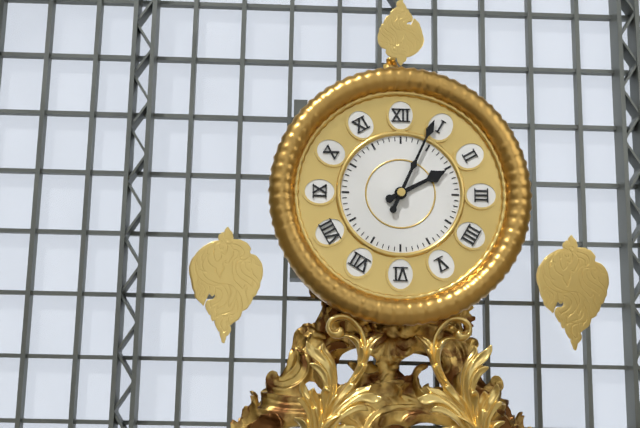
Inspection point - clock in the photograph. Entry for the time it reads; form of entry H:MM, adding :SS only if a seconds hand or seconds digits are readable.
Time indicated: 2:04
